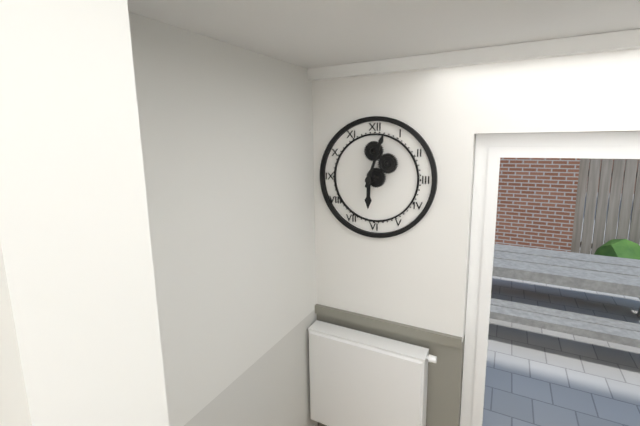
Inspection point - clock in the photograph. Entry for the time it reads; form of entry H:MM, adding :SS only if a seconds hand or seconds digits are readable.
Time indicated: 6:03
